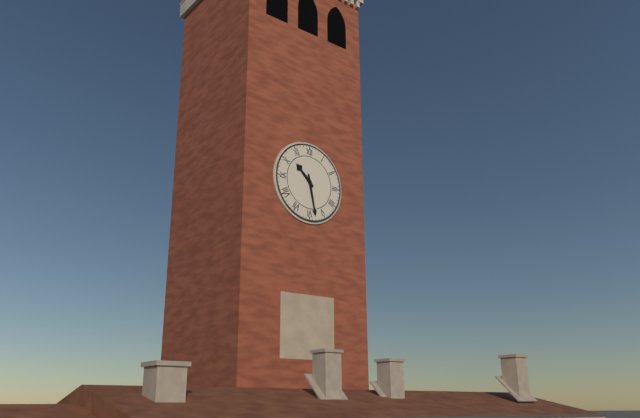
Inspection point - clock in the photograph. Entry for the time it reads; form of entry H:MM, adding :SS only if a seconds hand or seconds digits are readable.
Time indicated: 10:28
